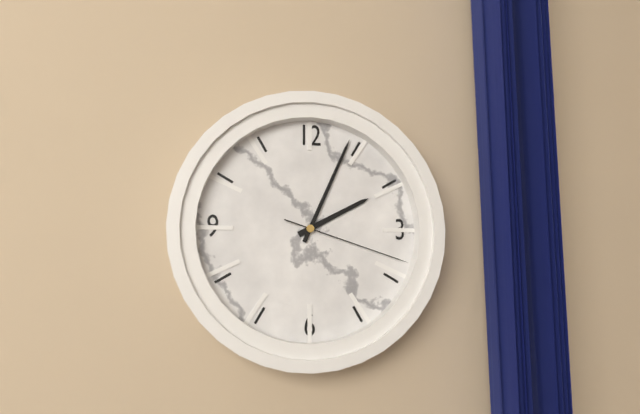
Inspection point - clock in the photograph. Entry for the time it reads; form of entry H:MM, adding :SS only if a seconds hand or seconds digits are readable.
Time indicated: 2:04:18
